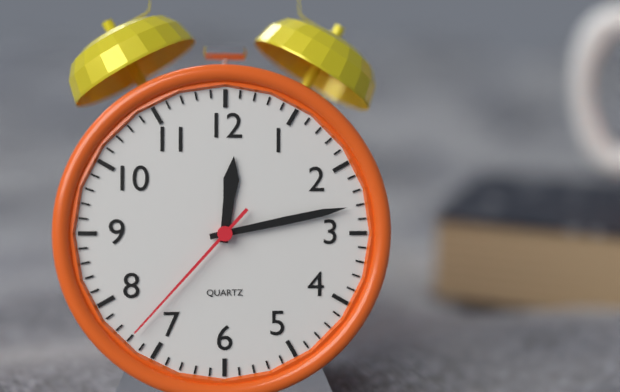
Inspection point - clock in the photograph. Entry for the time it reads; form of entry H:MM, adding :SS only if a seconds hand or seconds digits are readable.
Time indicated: 12:13:37
